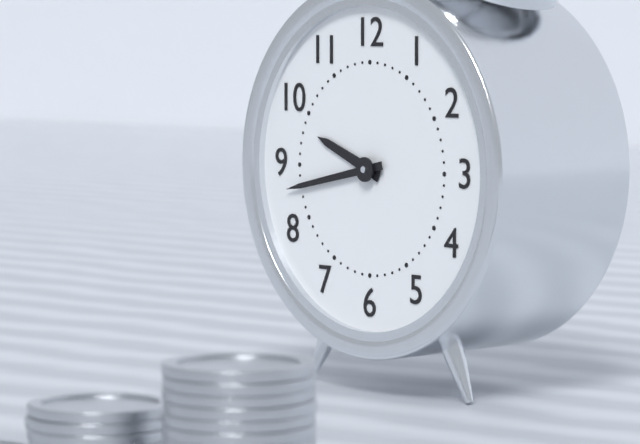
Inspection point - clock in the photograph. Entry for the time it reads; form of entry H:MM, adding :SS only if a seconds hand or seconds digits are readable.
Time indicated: 9:43
